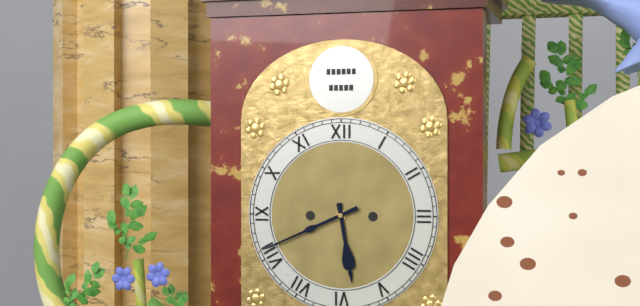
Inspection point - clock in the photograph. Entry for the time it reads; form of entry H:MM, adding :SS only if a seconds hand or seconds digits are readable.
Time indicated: 5:41
